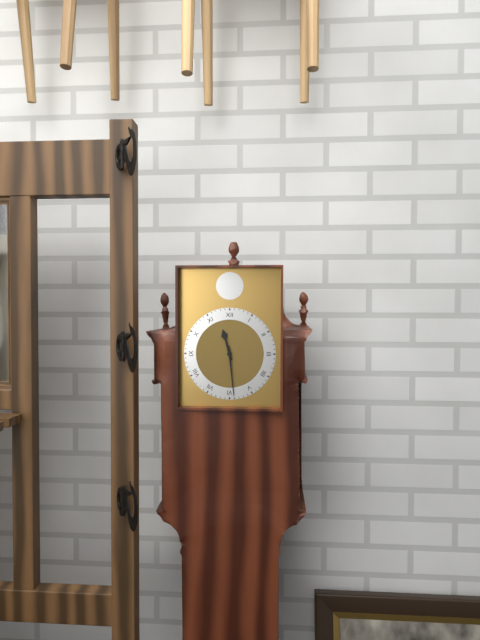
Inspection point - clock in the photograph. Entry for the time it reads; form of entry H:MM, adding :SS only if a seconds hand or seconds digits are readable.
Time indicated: 11:29
